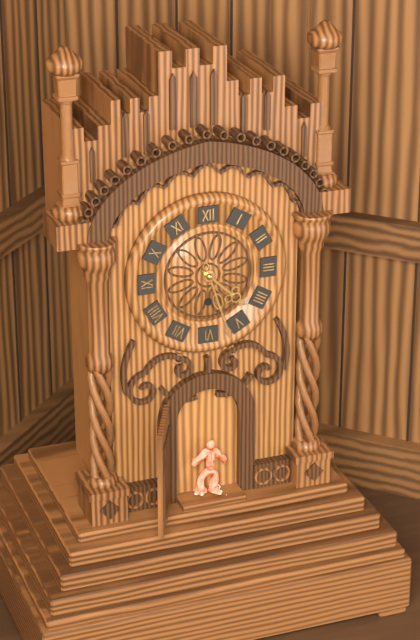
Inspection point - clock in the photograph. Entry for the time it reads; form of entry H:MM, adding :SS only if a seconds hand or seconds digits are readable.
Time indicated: 4:27
